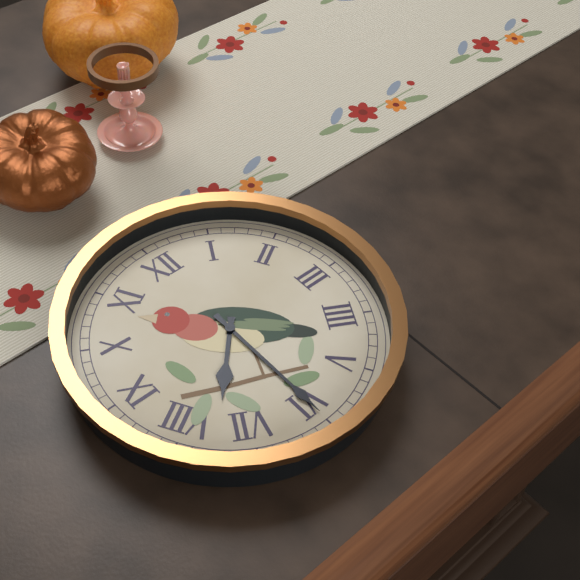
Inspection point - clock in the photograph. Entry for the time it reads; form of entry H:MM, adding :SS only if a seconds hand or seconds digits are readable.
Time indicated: 7:30
